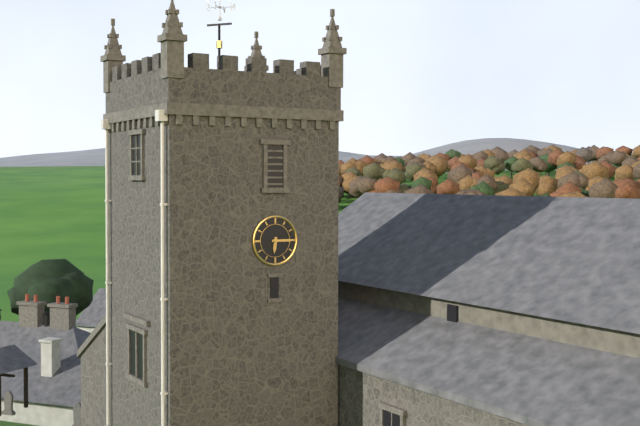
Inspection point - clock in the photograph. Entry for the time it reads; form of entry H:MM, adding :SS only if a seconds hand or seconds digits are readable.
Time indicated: 6:15
